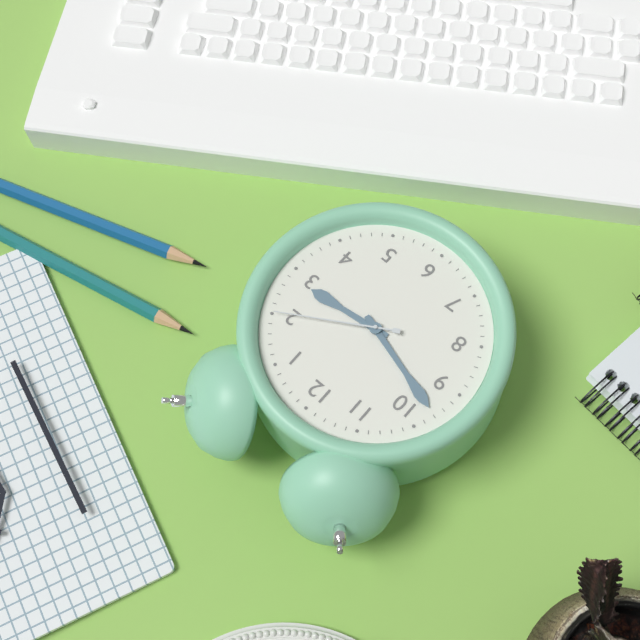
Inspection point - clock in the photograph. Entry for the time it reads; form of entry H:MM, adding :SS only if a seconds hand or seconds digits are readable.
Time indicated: 2:48:10
